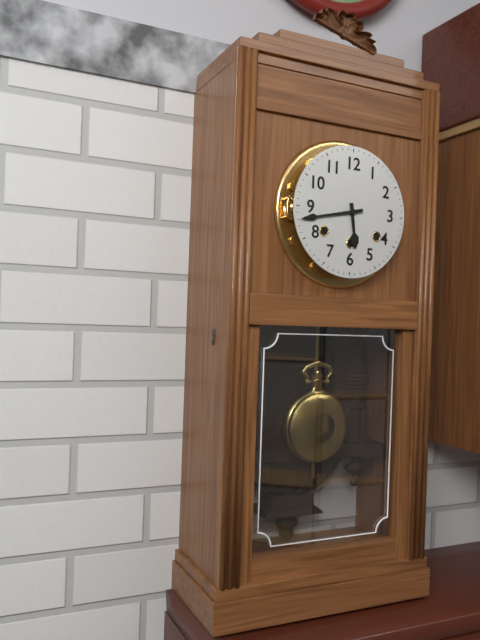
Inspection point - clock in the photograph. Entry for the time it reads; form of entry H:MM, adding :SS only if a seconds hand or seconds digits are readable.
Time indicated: 5:43
